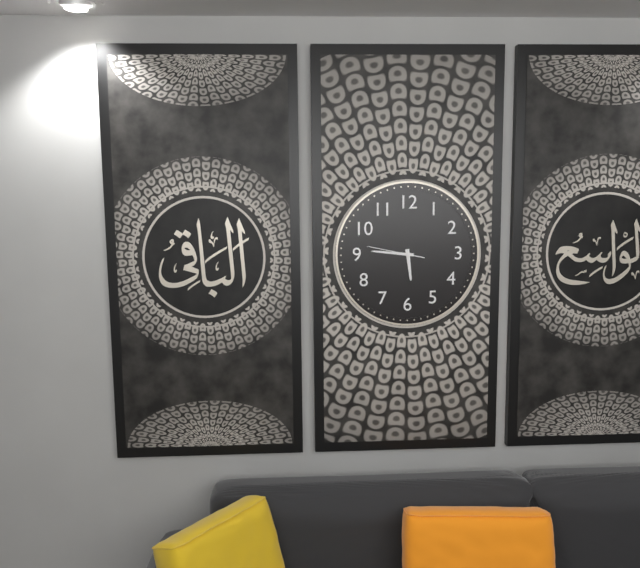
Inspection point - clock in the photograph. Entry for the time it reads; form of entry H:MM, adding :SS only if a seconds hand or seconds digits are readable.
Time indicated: 5:46:47
